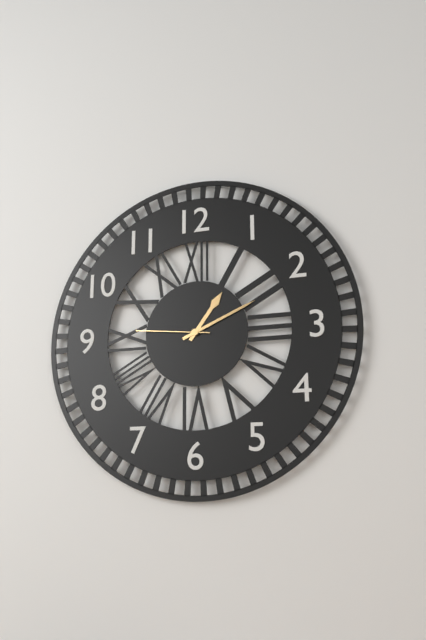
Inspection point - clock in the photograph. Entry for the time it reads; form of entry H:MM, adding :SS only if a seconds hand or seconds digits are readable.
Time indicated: 1:11:46
